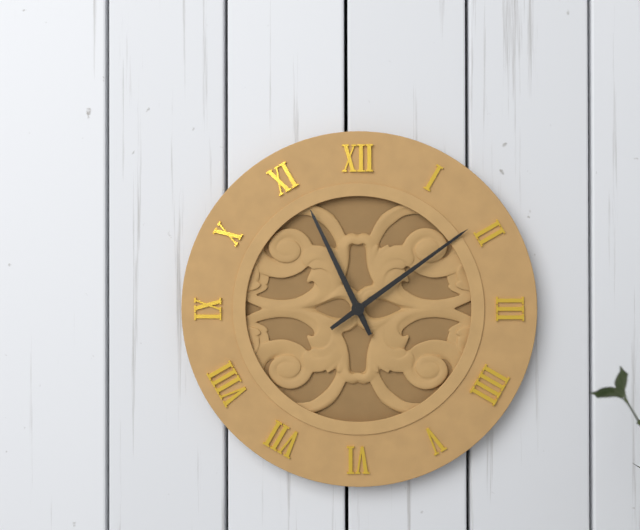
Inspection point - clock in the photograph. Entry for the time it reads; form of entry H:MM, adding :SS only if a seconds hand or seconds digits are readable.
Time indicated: 11:09
